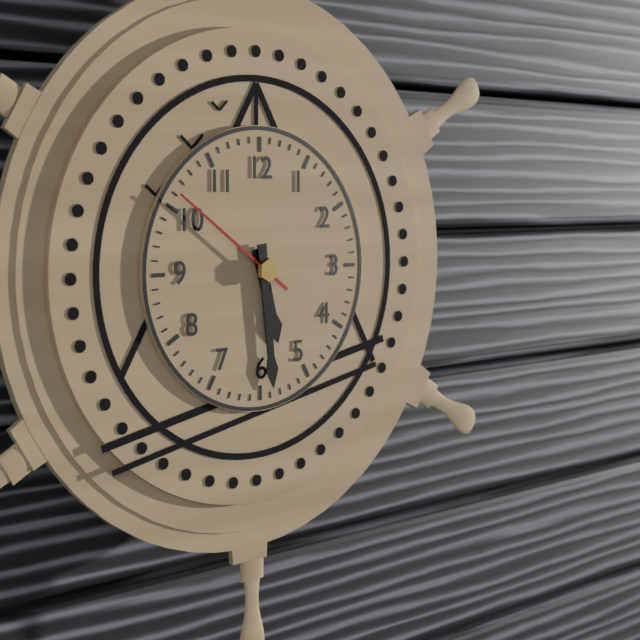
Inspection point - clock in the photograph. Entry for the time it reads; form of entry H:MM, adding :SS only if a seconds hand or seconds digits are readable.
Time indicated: 5:29:51
